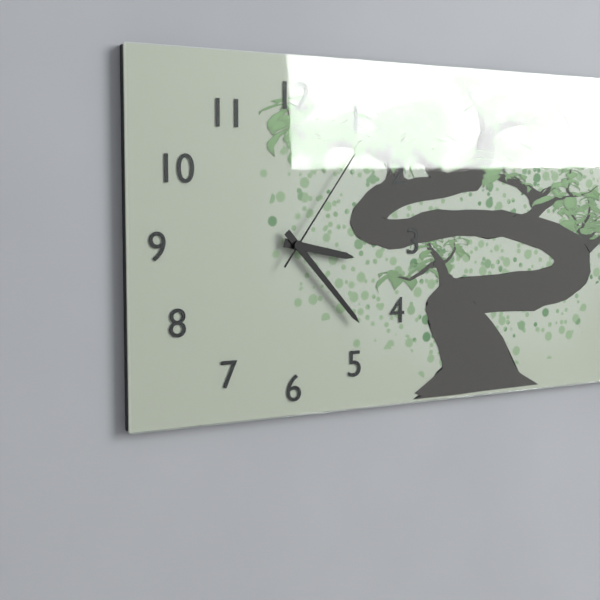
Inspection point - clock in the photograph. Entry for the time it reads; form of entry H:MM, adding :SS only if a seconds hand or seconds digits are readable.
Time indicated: 3:23:06
